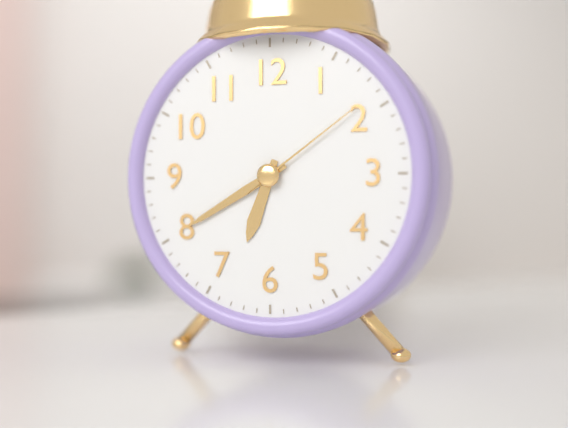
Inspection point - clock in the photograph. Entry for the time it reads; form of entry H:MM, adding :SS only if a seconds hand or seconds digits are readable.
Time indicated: 6:40:09
